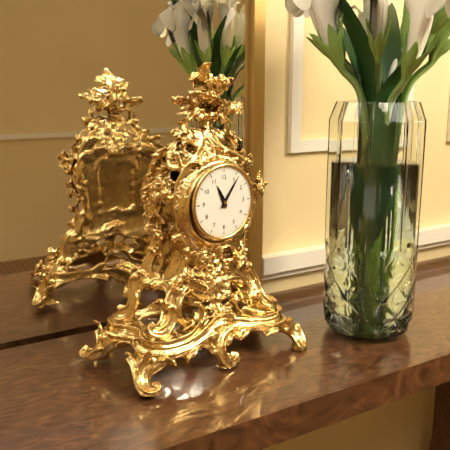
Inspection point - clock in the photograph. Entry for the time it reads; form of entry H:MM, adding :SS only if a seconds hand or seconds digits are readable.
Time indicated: 11:06
